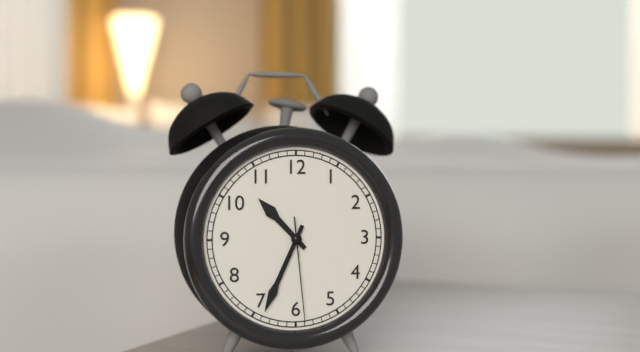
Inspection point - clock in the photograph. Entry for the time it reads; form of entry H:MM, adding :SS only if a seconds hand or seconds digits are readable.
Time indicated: 10:34:29
